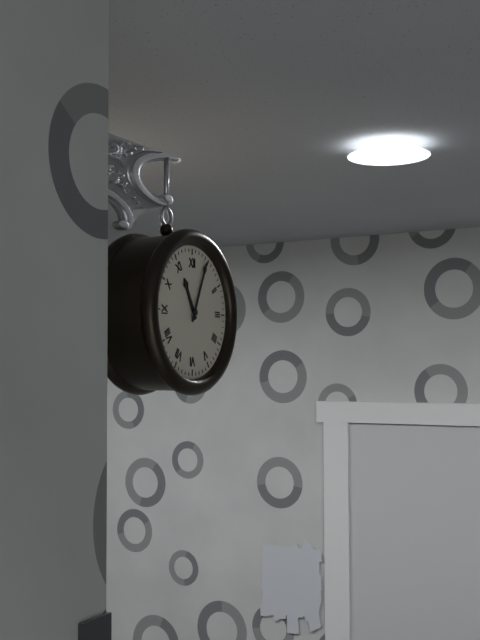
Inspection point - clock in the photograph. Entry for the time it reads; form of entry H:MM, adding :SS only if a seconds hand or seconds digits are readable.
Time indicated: 11:04
